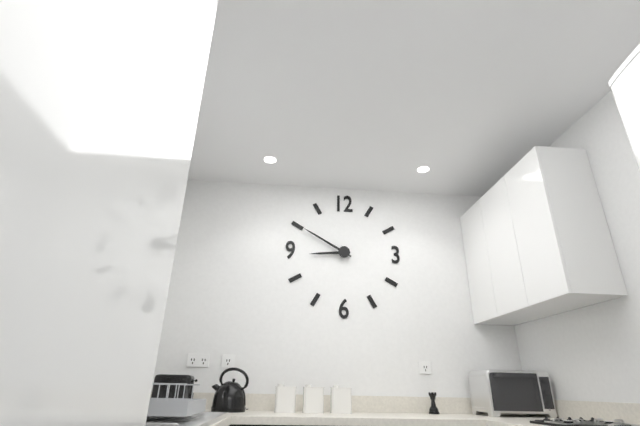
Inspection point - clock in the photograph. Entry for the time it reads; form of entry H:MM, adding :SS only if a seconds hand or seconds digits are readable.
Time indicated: 8:50
